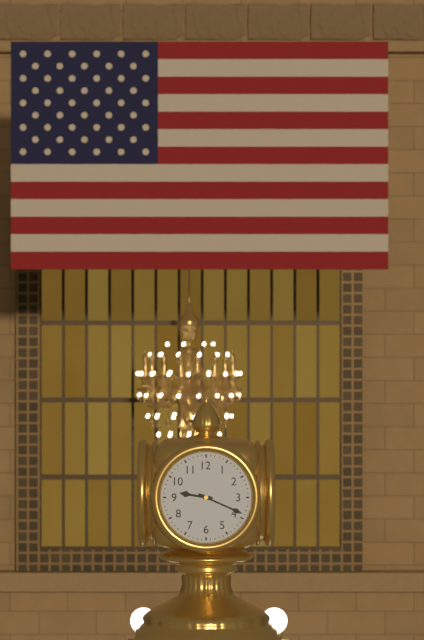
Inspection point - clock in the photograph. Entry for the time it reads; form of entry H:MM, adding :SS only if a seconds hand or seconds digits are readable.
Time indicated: 9:19
